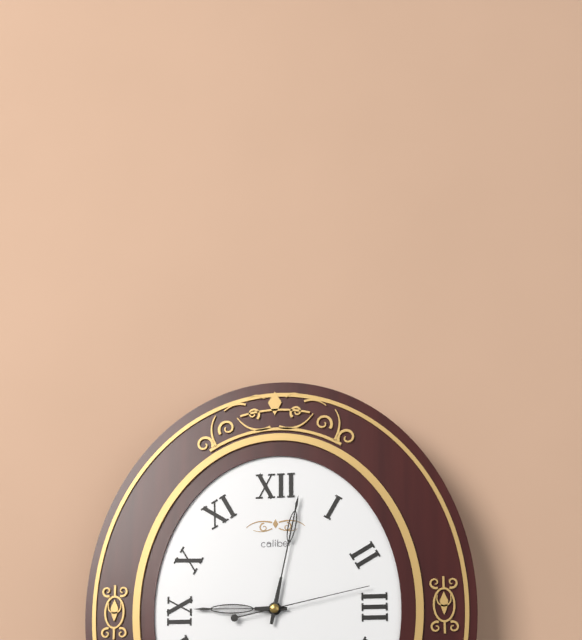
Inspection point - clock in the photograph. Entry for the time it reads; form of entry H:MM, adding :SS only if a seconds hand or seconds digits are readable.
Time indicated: 9:02:13
